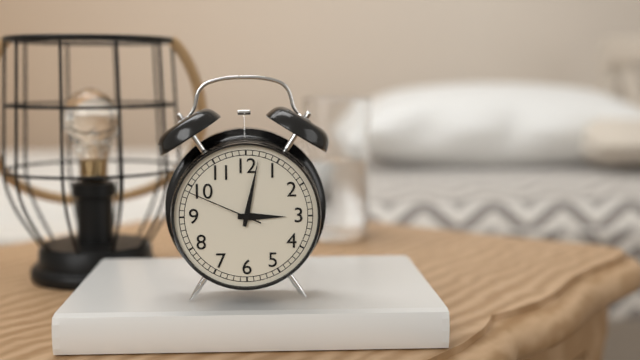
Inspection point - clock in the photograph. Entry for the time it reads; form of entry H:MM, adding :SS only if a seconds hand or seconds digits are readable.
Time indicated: 3:02:49
